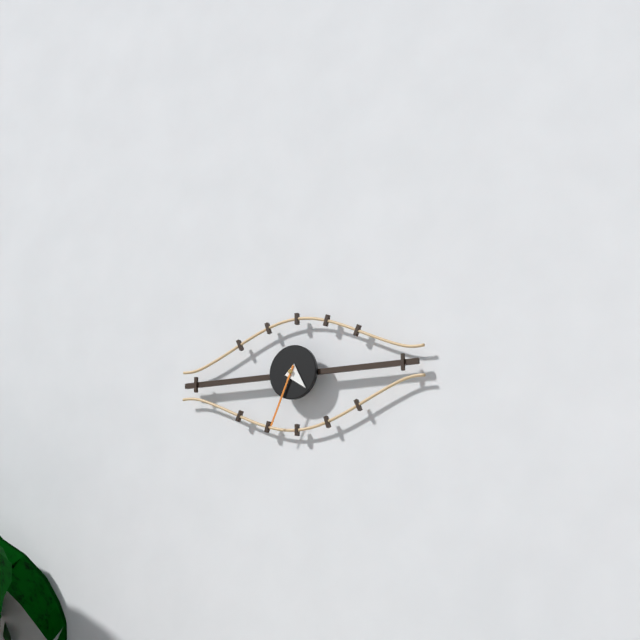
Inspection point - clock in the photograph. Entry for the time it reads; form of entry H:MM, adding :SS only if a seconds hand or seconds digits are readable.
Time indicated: 4:34
